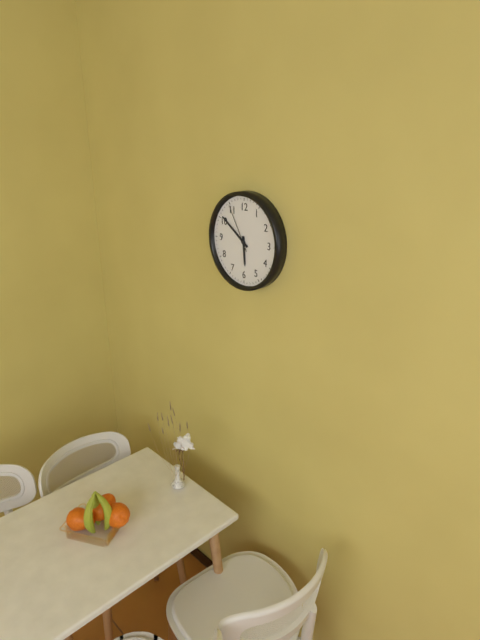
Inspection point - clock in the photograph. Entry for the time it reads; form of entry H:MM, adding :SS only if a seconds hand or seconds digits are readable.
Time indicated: 5:51
